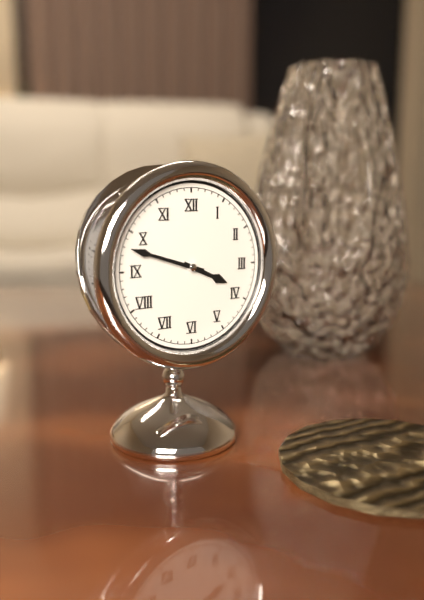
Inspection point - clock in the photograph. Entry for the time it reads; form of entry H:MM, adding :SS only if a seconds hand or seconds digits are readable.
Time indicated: 3:48
